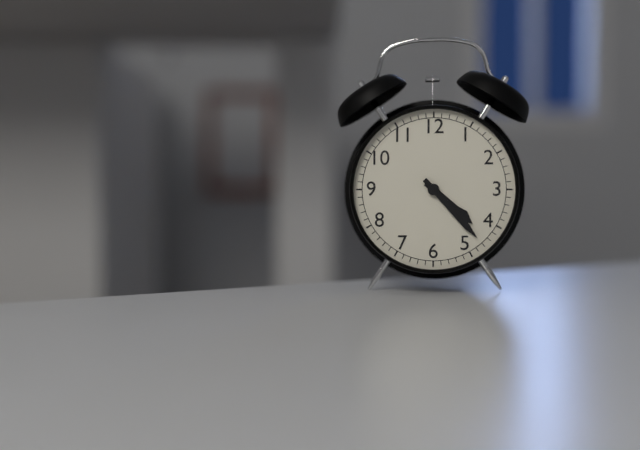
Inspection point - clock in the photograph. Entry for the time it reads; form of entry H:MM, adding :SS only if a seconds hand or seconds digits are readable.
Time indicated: 4:23
